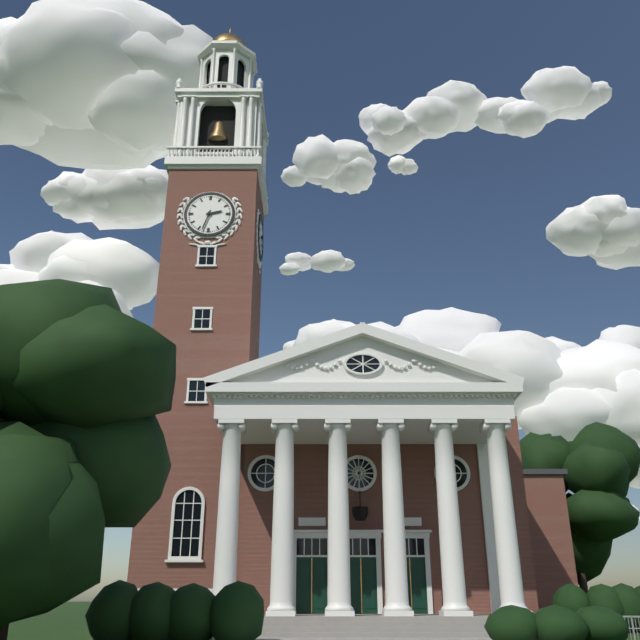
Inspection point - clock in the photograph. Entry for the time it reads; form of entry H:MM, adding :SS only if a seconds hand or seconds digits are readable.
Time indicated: 2:33
